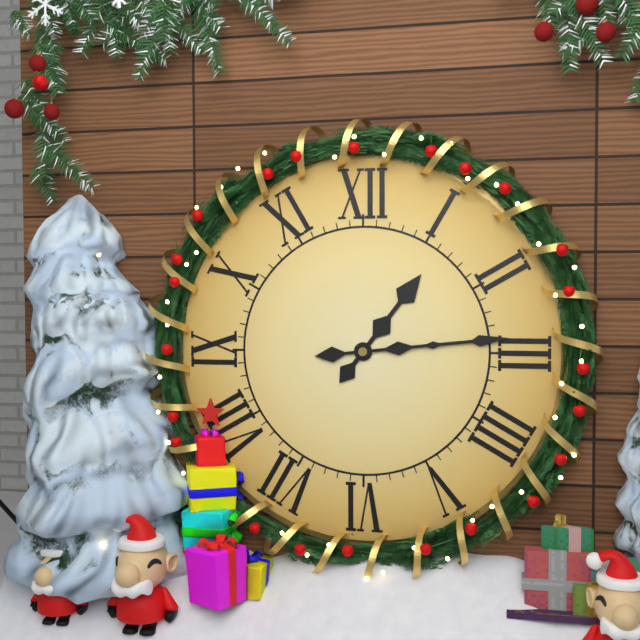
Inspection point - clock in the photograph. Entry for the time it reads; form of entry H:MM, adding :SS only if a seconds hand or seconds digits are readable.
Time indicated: 1:14
